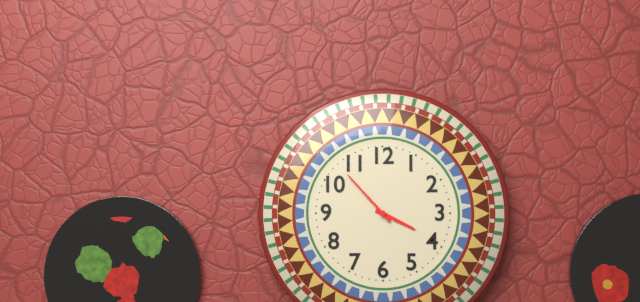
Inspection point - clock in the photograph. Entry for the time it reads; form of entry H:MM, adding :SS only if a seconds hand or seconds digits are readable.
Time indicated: 3:53
